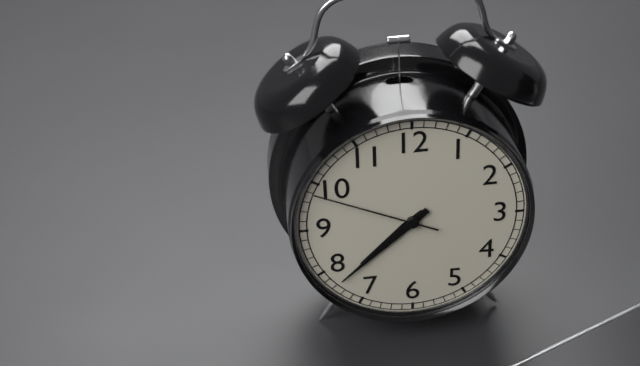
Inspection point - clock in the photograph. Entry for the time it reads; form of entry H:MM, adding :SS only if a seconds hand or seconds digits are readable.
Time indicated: 7:38:49
